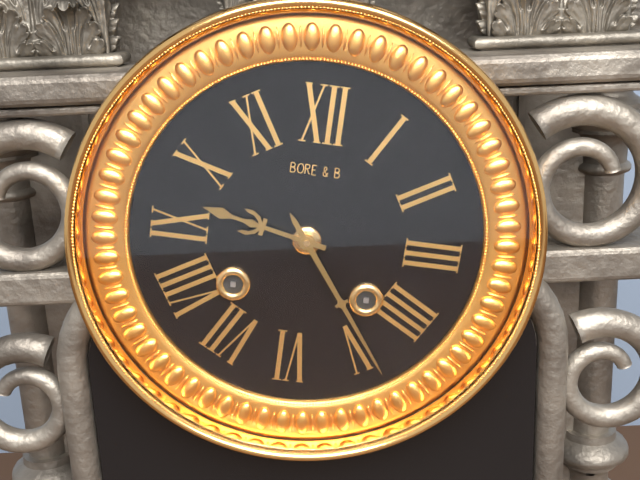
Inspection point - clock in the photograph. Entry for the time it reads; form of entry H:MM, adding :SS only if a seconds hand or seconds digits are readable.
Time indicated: 9:24
